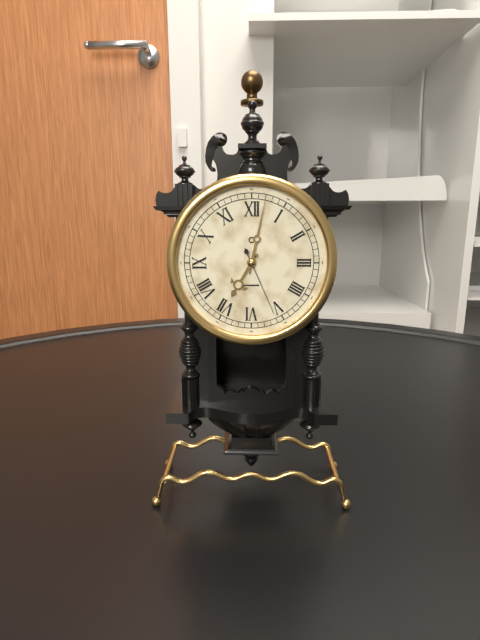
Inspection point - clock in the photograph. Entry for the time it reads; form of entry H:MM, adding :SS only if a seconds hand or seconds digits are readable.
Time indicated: 7:02:26
